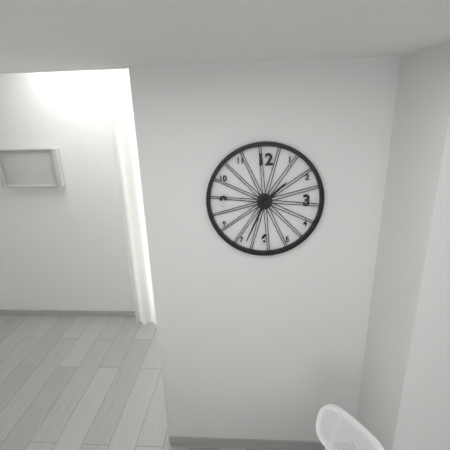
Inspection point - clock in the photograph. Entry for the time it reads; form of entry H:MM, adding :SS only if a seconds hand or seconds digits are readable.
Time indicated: 1:34
